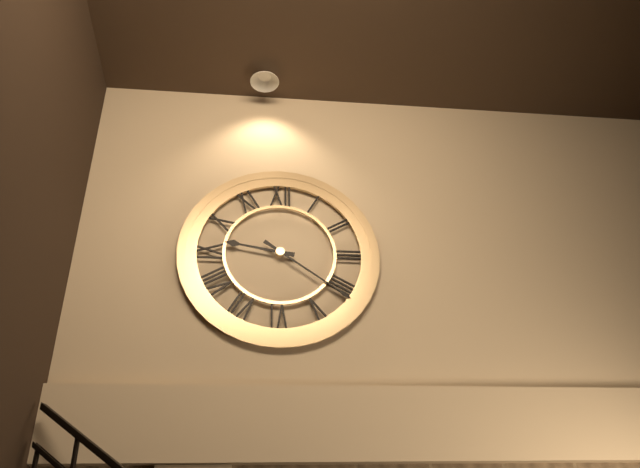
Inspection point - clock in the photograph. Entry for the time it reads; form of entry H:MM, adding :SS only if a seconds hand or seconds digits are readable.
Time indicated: 9:21
